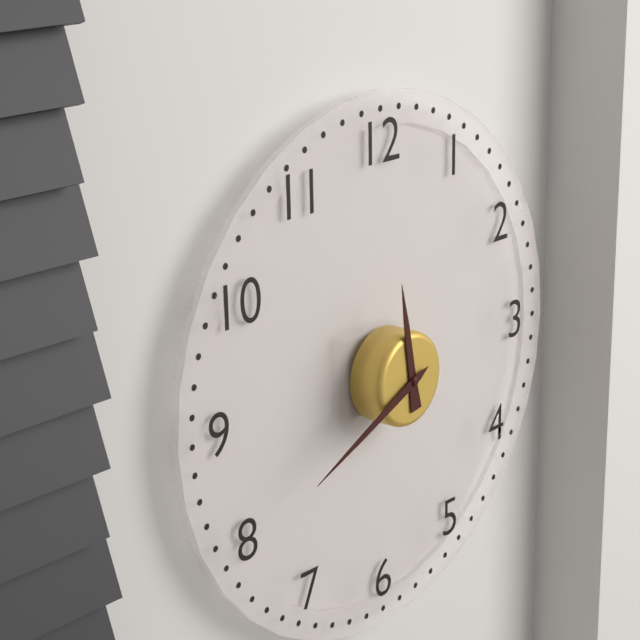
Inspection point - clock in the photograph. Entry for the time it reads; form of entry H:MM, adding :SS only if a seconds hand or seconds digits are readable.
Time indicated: 11:41
